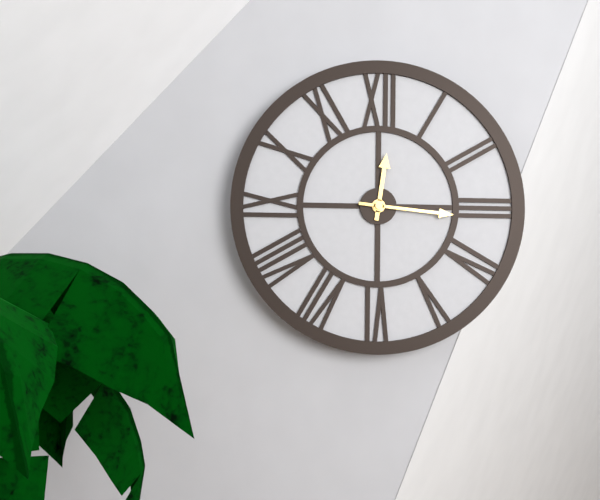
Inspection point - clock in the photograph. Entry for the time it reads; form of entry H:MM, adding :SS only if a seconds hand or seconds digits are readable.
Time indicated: 12:16
